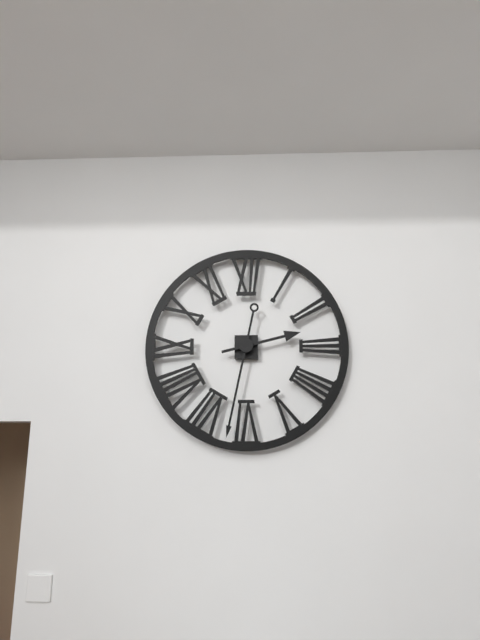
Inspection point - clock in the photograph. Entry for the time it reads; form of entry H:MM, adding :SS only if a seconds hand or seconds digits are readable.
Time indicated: 2:32
